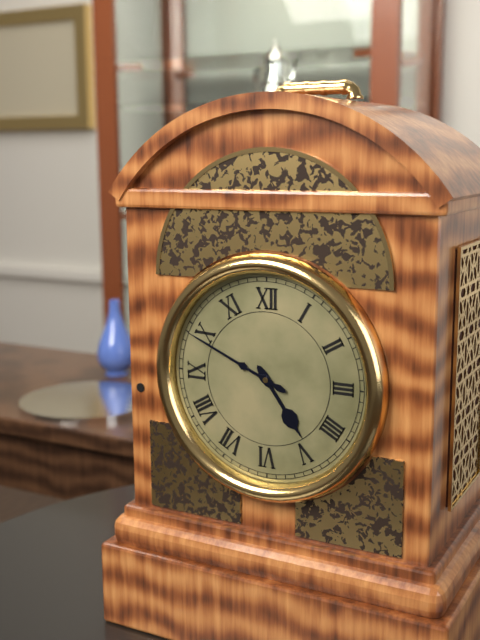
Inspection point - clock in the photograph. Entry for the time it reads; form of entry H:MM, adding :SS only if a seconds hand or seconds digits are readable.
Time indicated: 4:49
